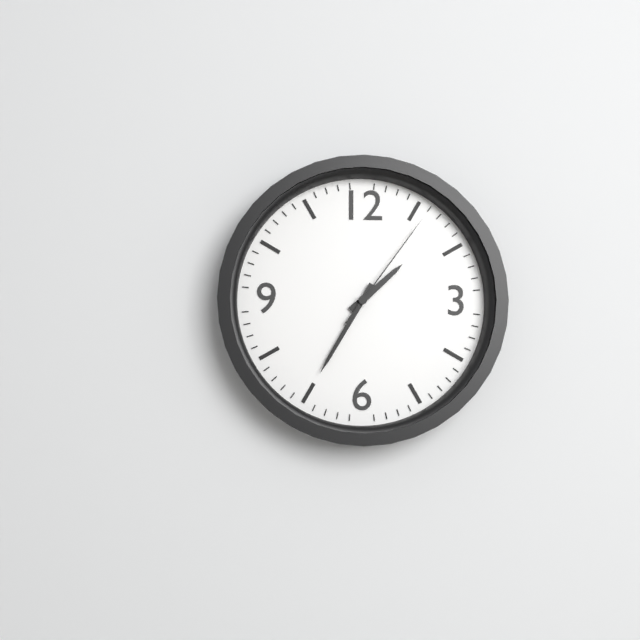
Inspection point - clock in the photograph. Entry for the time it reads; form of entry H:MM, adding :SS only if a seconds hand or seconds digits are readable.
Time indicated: 1:35:06
